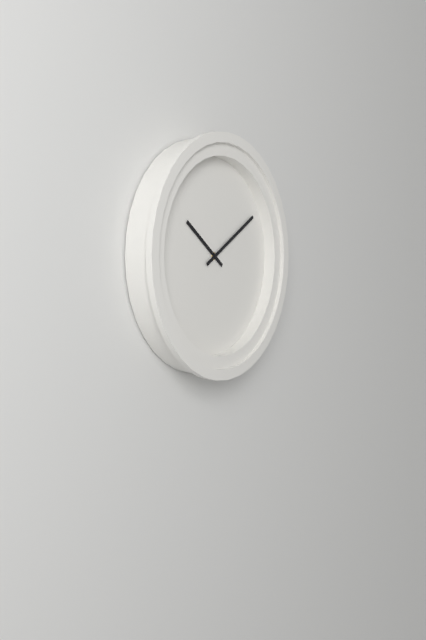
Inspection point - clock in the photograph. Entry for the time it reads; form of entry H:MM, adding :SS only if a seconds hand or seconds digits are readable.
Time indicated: 10:10
